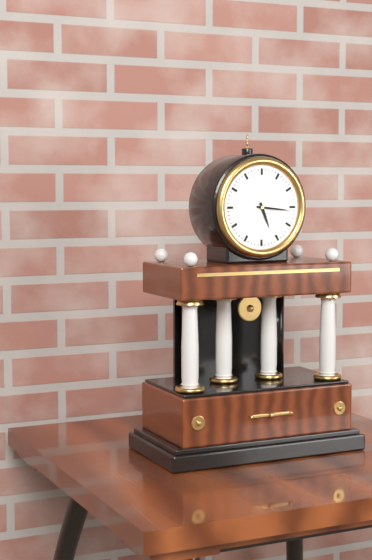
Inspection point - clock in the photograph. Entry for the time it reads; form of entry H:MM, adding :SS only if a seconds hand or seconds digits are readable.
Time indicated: 5:16
